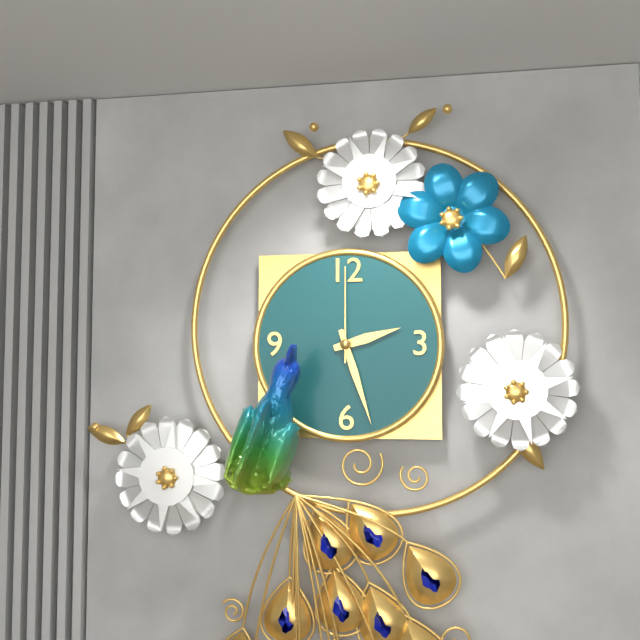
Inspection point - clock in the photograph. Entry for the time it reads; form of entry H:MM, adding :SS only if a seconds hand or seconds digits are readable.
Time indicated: 2:27:00
